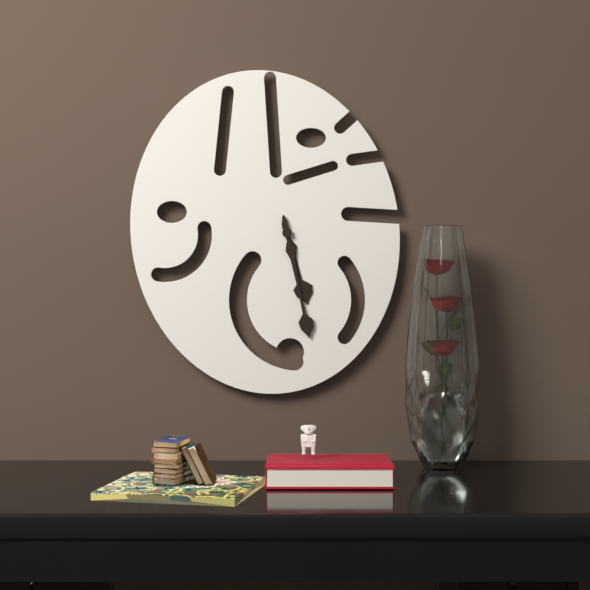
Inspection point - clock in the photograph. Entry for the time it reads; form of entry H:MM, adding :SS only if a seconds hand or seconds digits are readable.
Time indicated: 5:28
